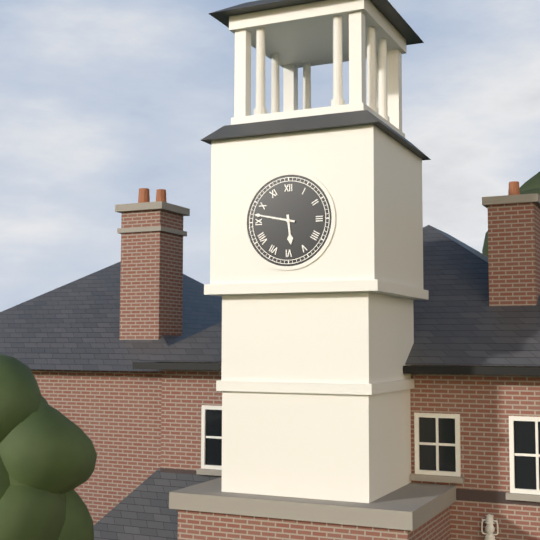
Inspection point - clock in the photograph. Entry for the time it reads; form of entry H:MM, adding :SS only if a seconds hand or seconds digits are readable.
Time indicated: 5:47
